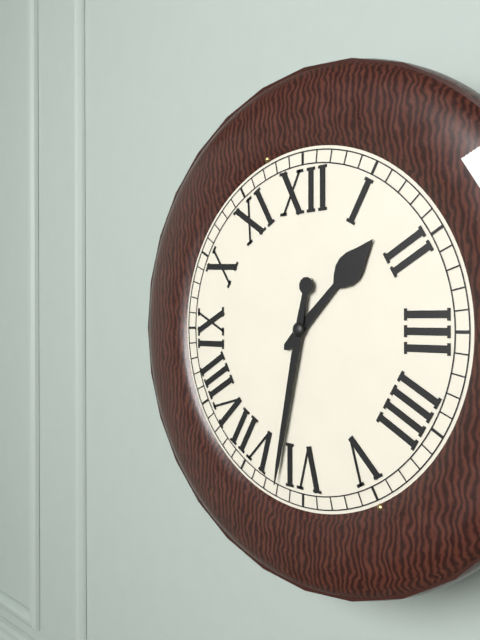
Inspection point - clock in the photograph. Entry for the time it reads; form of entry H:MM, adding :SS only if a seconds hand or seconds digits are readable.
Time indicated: 1:32
